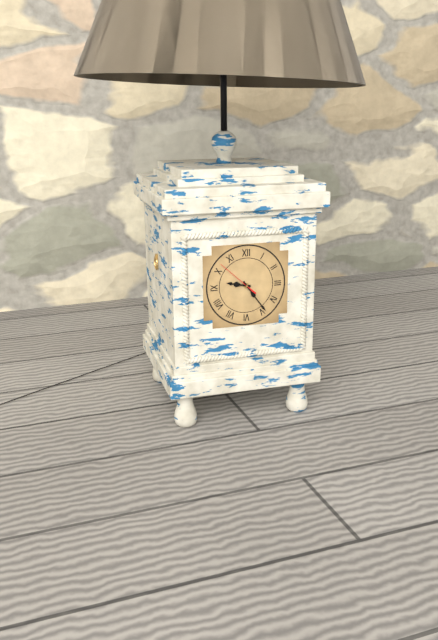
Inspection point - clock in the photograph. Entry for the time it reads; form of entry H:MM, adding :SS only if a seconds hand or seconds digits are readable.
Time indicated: 9:24
